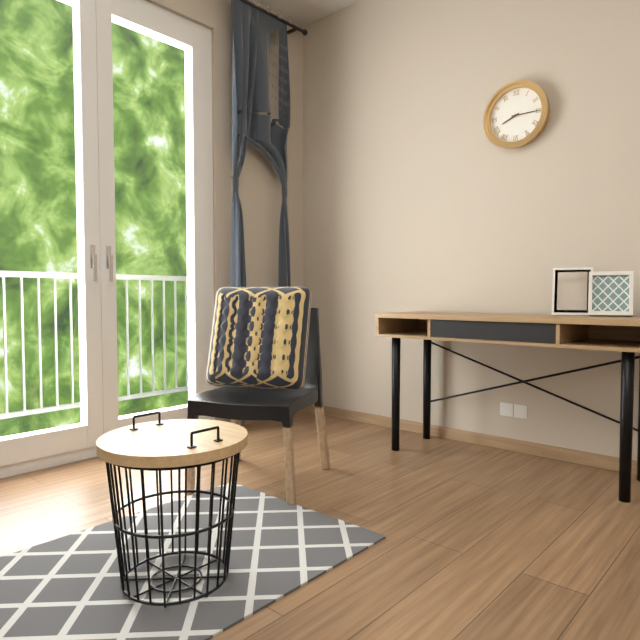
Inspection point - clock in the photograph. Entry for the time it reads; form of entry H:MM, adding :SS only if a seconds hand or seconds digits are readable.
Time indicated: 8:15
